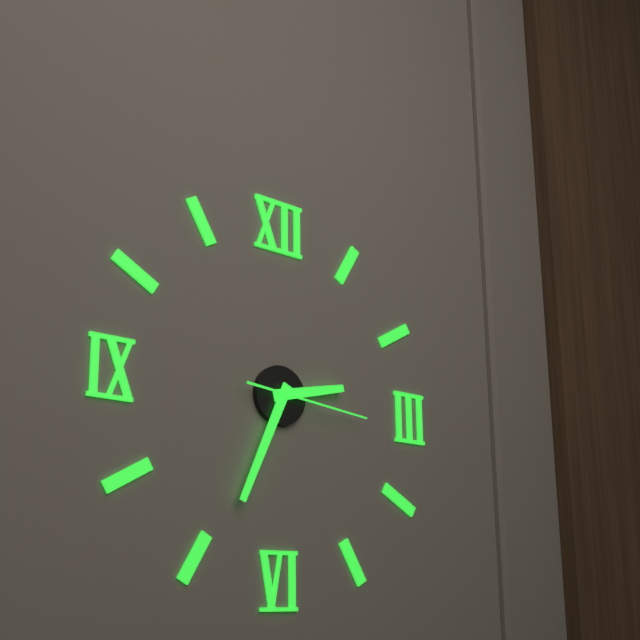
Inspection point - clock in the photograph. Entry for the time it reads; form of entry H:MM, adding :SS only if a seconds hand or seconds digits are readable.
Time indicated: 2:34:16
